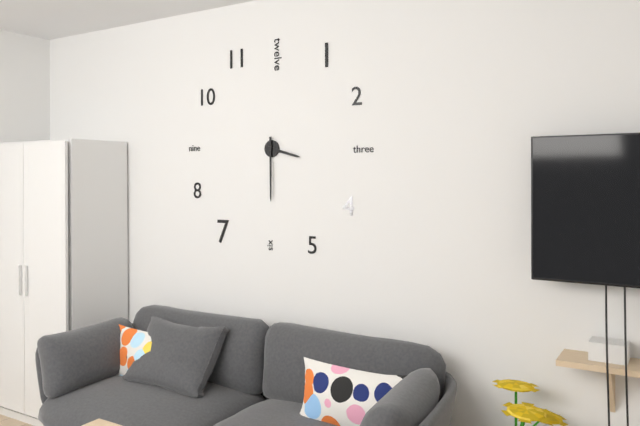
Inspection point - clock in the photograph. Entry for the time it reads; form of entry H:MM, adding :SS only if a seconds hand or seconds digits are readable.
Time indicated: 3:30
